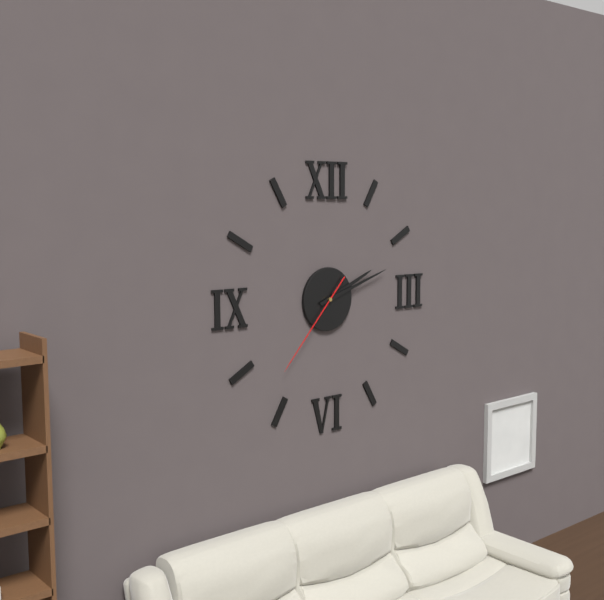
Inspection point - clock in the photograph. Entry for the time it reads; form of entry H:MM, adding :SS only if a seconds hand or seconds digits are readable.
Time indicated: 2:12:37
